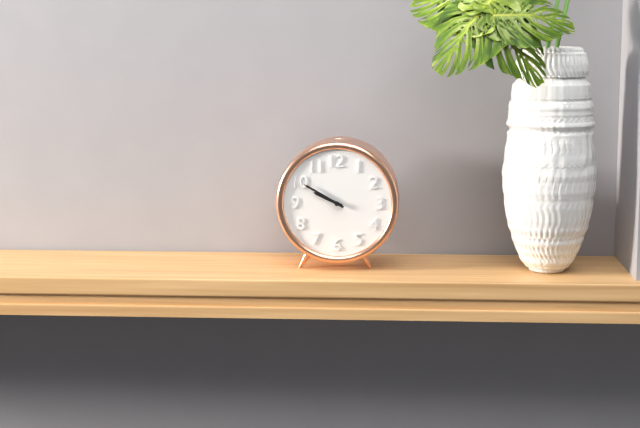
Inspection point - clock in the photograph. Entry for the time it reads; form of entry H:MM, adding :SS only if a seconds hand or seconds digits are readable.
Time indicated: 9:50
